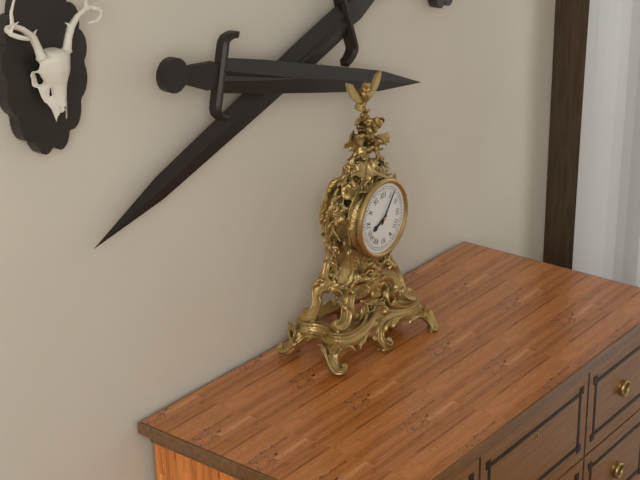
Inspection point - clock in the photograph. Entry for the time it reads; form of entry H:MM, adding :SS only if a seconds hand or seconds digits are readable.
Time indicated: 8:06
